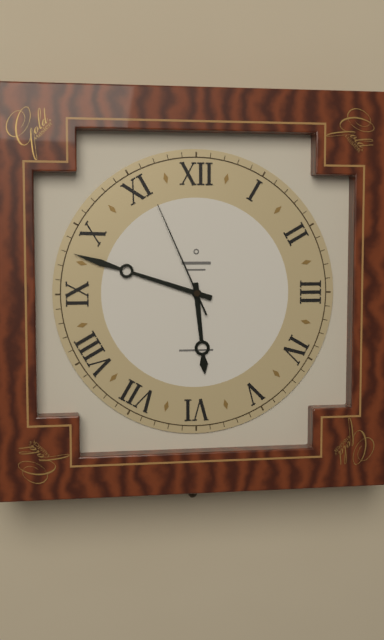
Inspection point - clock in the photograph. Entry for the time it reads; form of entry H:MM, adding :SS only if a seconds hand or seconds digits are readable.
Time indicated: 5:48:56
